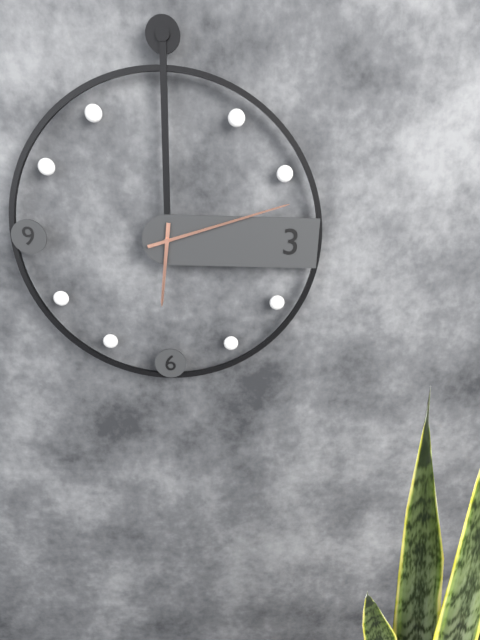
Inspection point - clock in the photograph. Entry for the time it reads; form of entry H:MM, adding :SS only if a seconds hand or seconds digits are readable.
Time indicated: 6:12
